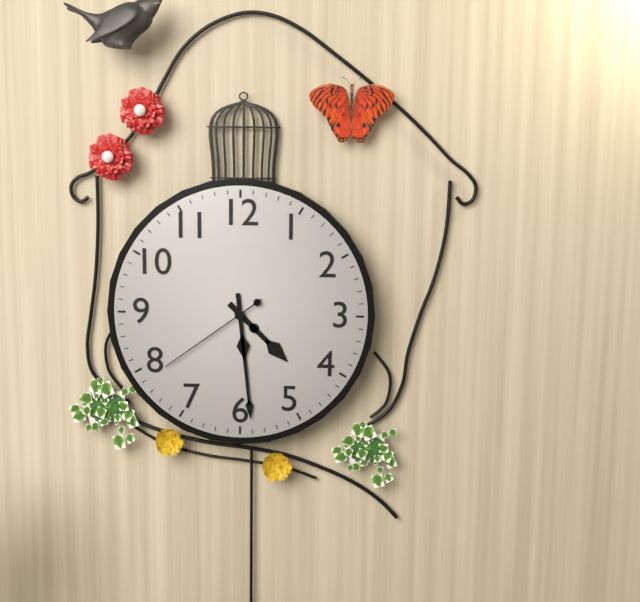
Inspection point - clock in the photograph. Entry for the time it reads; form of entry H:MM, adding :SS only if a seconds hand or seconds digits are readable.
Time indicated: 4:29:39
